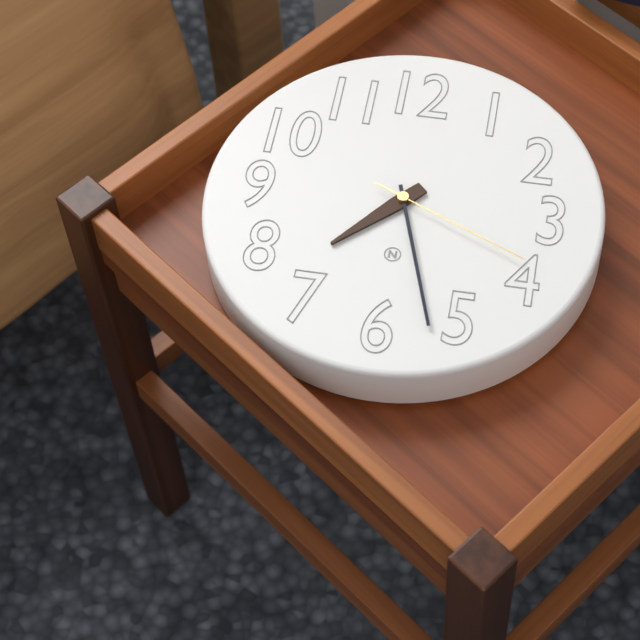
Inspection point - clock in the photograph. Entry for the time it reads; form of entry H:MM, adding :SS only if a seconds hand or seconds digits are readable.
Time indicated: 7:27:19
